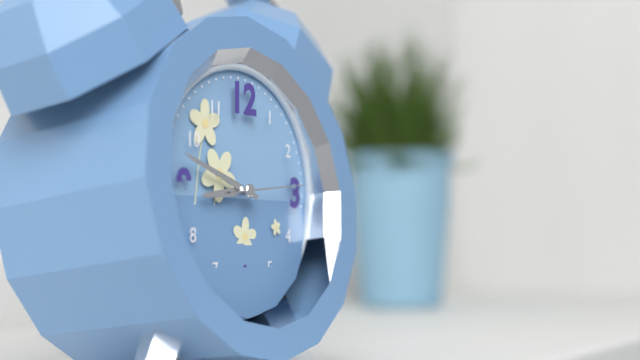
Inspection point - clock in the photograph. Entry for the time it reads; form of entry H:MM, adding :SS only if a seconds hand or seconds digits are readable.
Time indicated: 8:48:14
